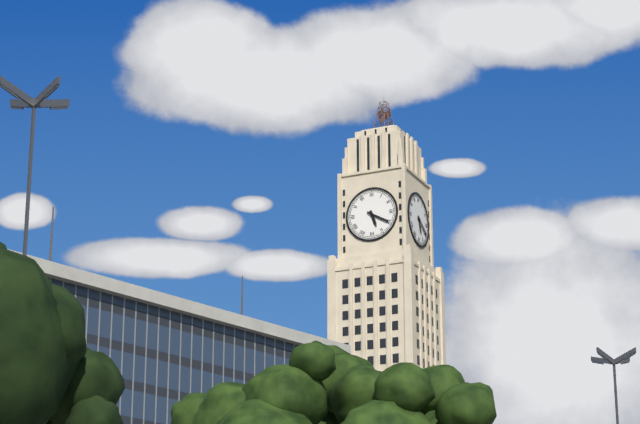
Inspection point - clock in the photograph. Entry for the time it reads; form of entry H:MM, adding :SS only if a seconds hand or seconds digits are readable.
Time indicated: 5:20
